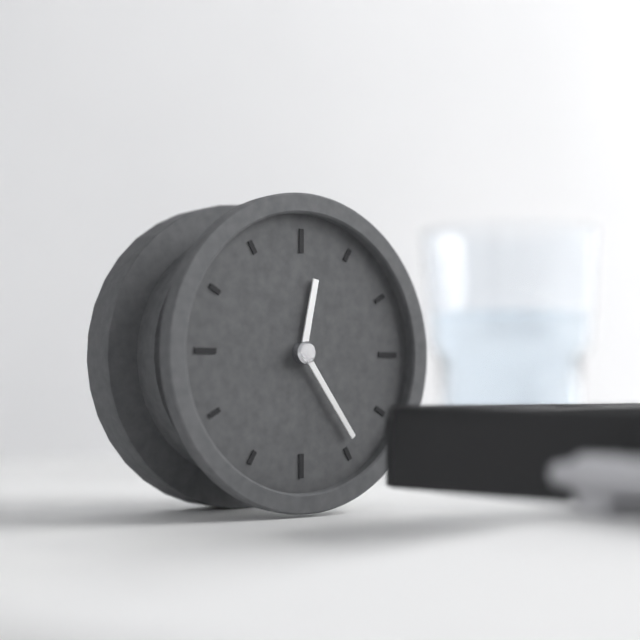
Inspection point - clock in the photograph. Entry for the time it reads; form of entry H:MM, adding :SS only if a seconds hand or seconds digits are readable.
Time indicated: 12:24
